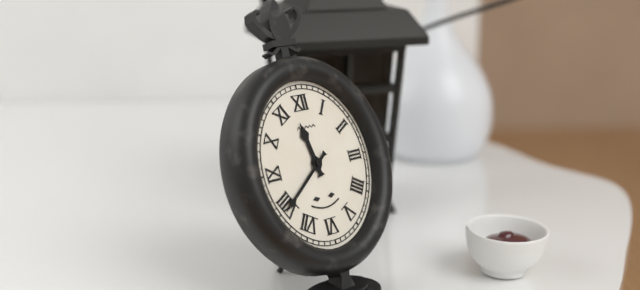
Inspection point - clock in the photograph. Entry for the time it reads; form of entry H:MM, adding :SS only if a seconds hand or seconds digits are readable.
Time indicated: 11:39
